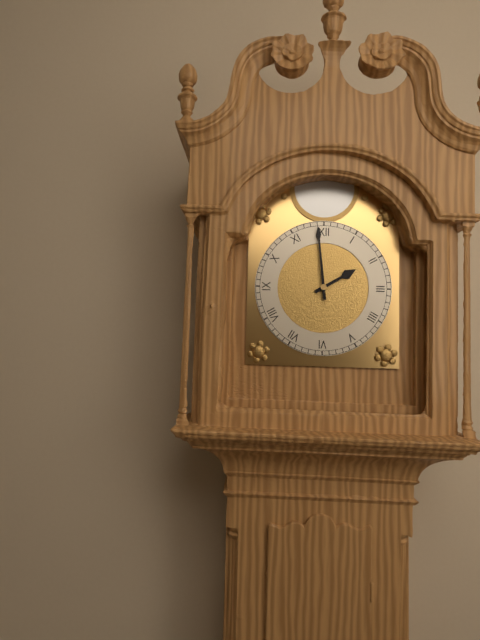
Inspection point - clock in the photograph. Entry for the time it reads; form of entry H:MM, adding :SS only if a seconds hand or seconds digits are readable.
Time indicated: 1:59
